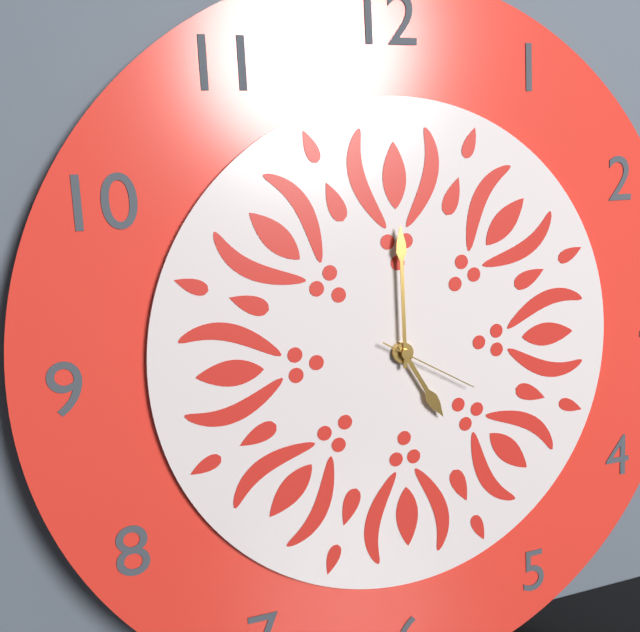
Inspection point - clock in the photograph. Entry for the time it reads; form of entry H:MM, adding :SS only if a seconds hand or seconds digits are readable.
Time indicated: 5:00:20
